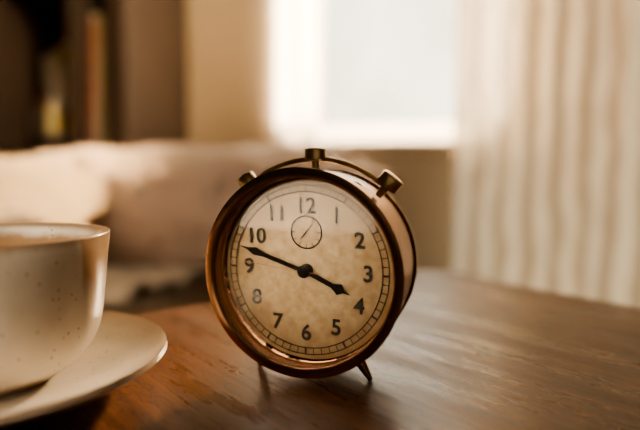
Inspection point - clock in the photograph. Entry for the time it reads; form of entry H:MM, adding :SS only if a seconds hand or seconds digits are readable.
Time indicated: 3:48:46
